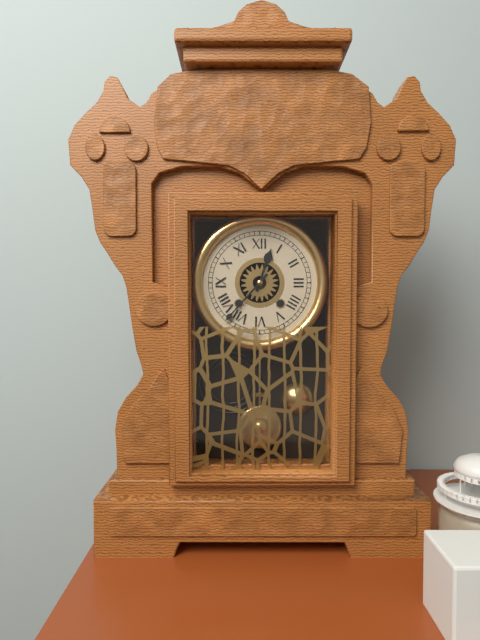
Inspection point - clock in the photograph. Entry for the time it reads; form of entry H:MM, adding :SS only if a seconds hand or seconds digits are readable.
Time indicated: 12:37
